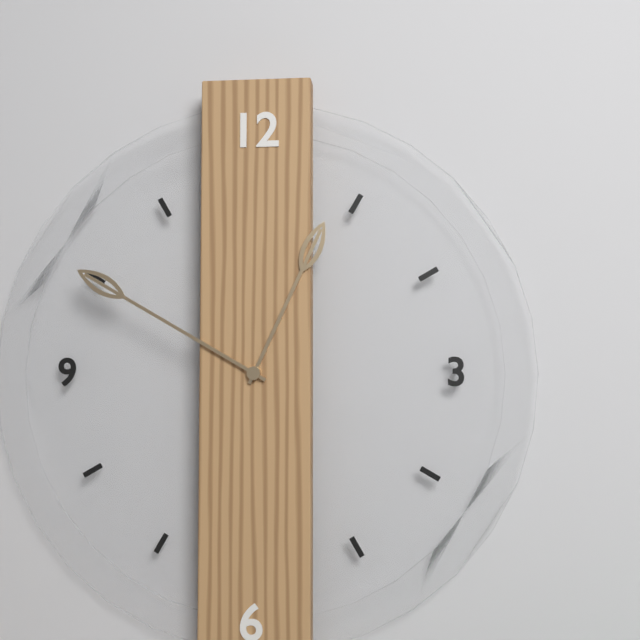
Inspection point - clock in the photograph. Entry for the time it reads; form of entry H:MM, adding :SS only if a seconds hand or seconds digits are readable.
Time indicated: 12:50
